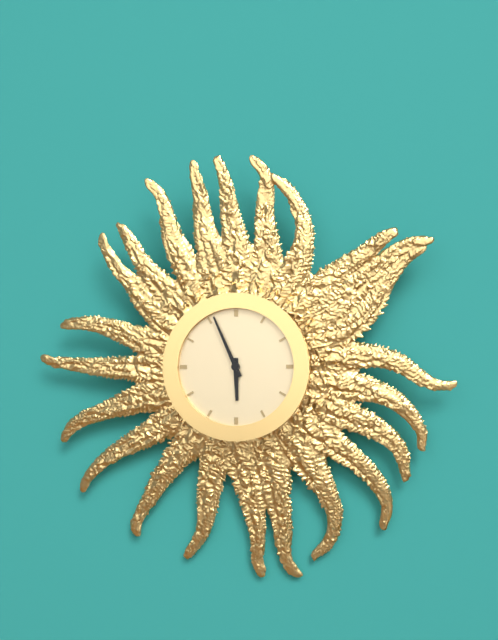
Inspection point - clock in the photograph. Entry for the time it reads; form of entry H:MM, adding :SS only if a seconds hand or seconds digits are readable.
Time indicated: 5:56
